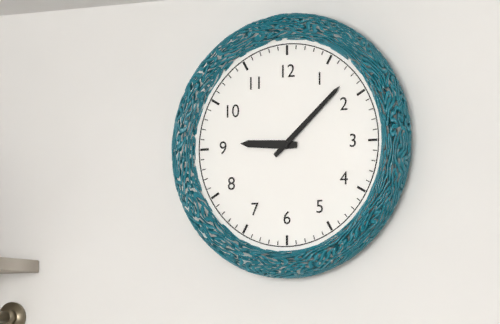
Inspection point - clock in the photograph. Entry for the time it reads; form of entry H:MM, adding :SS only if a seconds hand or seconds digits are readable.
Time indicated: 9:08
